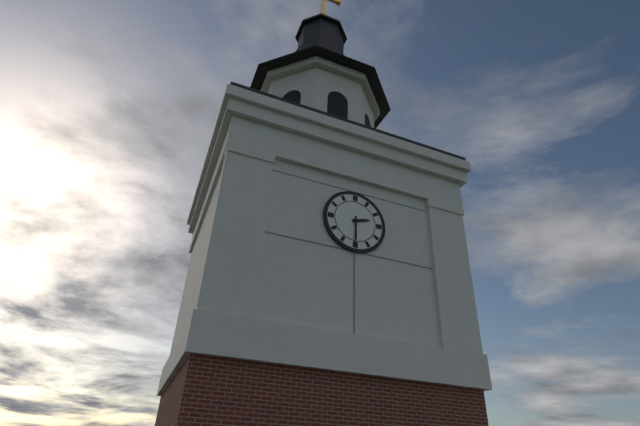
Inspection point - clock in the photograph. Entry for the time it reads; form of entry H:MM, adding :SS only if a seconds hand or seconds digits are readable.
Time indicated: 2:30
